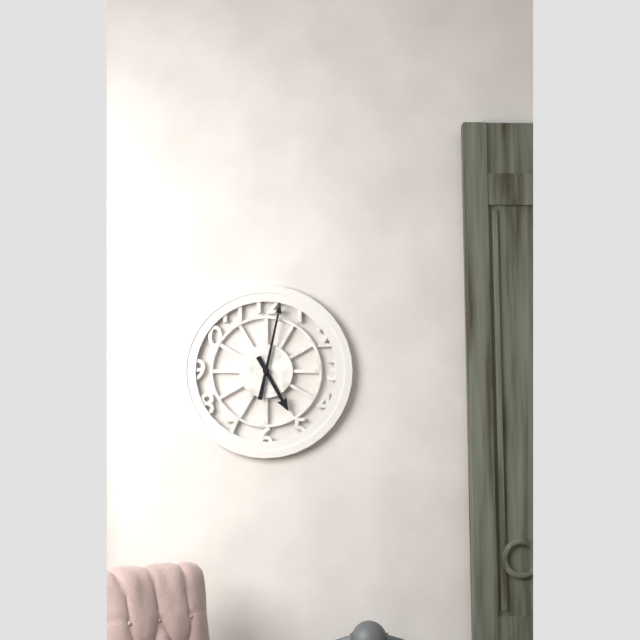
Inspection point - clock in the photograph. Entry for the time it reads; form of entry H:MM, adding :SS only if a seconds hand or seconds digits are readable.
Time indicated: 5:02
